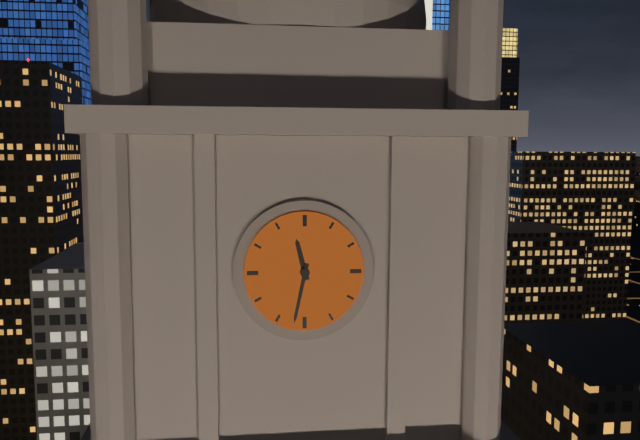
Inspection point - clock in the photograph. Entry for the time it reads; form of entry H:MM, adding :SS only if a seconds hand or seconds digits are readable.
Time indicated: 11:32
